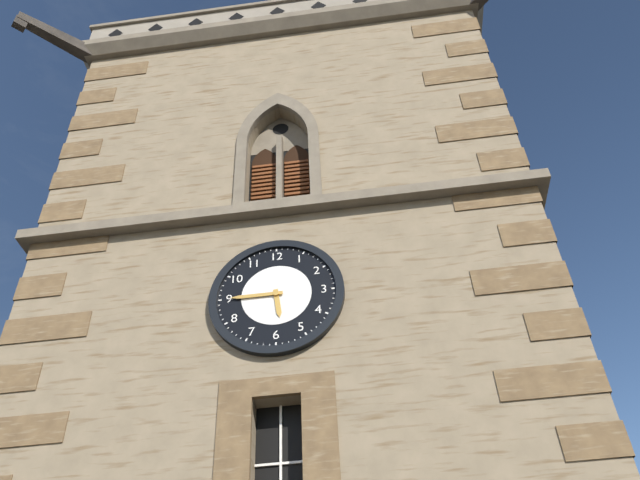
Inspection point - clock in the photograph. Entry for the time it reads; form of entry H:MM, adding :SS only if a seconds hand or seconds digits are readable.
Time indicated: 5:45
